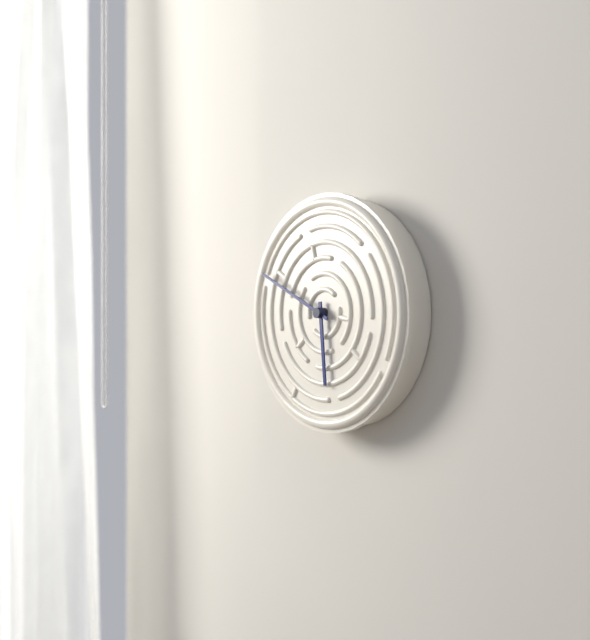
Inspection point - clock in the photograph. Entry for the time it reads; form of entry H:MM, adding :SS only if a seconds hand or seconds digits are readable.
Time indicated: 5:49
